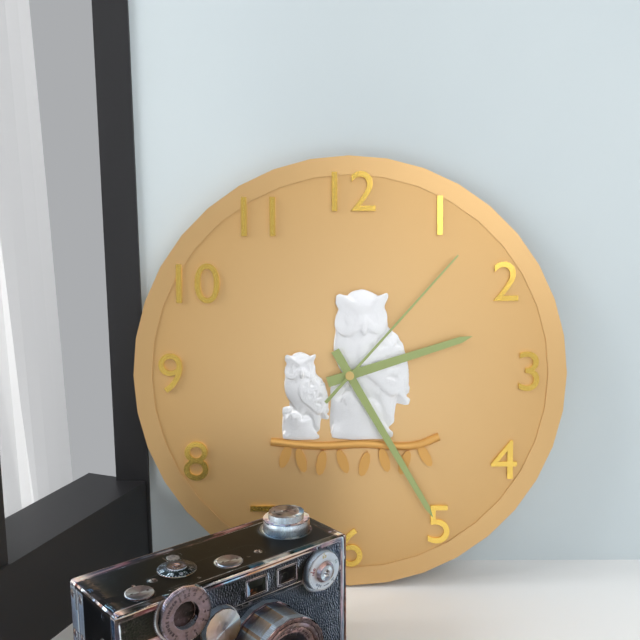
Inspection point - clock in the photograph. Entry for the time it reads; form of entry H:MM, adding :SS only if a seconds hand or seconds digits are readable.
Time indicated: 2:25:07
